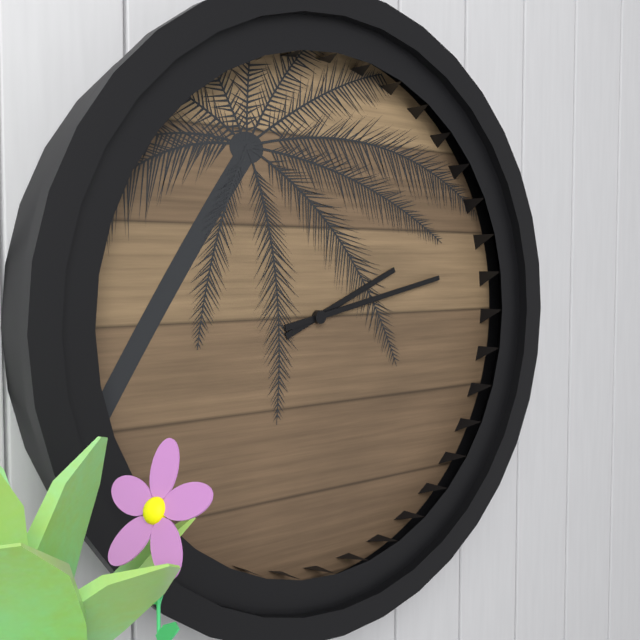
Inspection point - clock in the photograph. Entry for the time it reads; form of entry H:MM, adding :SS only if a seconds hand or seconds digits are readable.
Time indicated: 2:13
